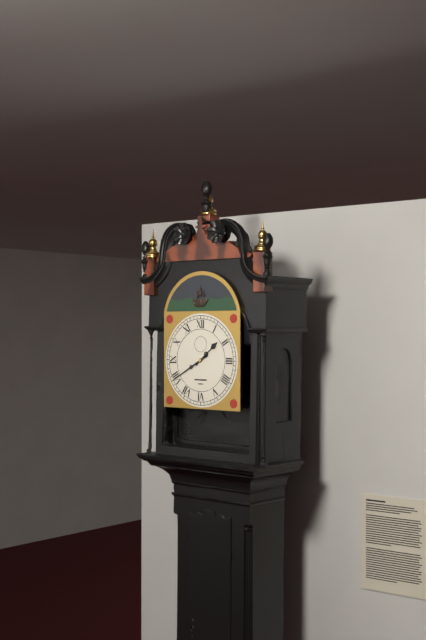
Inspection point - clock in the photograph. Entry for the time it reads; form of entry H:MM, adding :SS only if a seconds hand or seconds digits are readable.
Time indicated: 1:40
